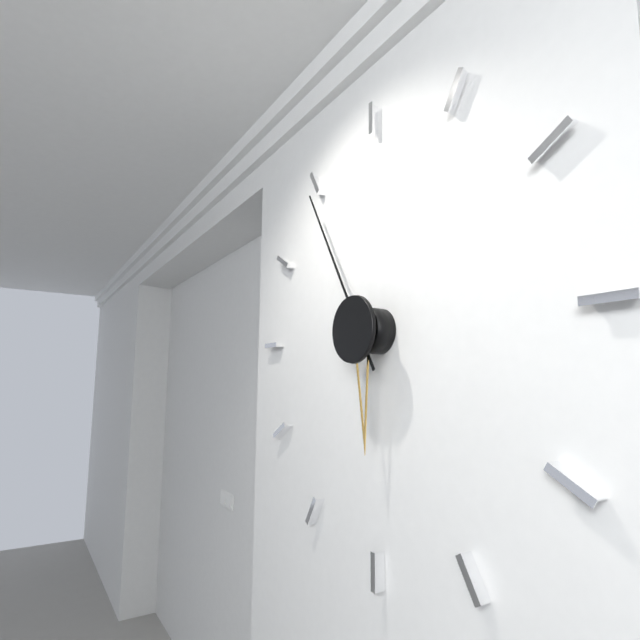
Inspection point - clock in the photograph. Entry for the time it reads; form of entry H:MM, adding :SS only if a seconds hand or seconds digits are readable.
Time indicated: 5:55
